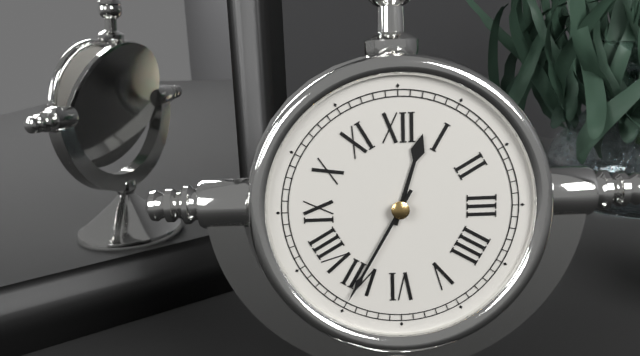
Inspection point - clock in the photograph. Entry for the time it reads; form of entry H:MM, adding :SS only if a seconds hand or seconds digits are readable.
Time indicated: 12:35
